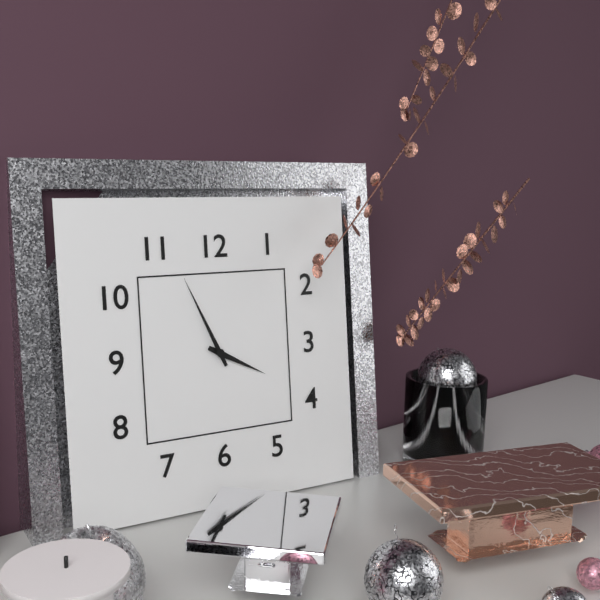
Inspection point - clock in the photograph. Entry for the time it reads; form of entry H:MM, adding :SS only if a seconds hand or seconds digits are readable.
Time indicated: 3:56
